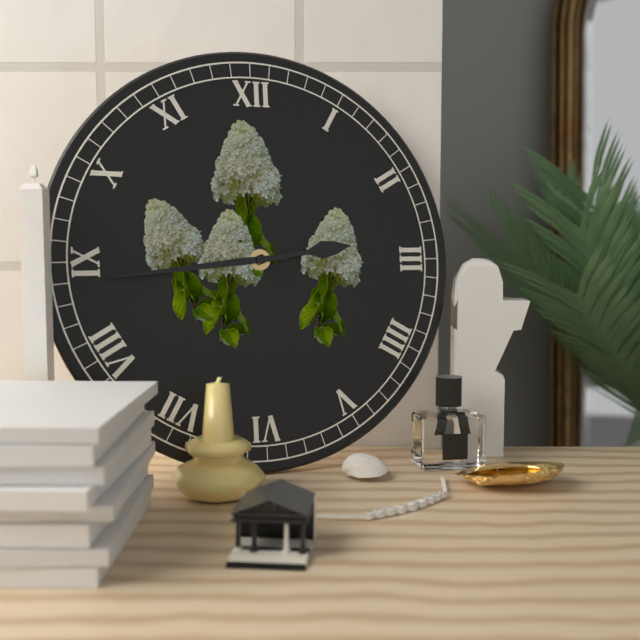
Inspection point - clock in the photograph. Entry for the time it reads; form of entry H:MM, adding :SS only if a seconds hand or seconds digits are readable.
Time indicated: 2:44
